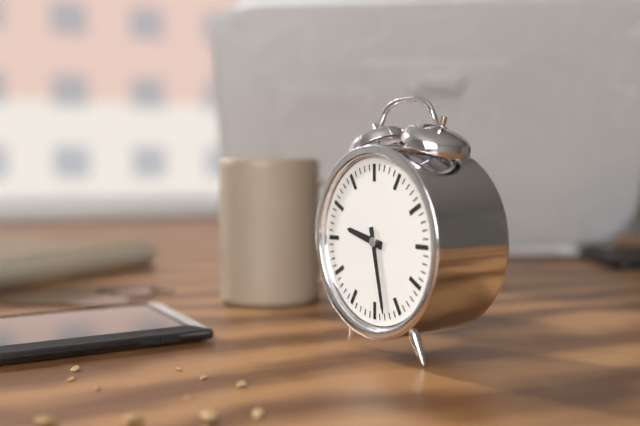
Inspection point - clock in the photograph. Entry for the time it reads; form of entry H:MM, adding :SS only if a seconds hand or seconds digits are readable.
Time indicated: 9:28
